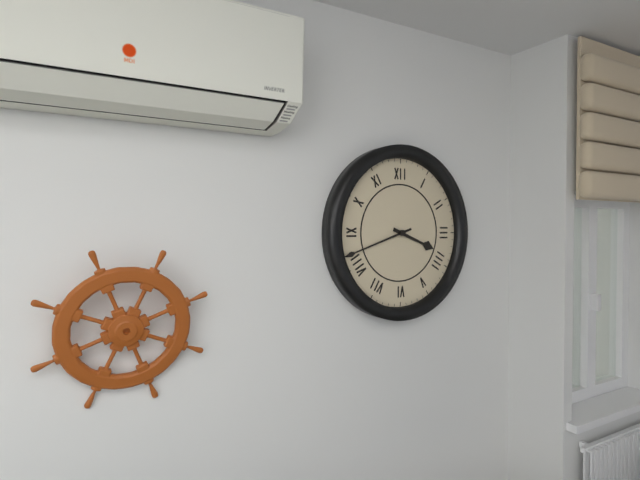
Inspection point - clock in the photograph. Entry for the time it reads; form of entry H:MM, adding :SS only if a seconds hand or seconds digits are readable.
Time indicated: 3:42
